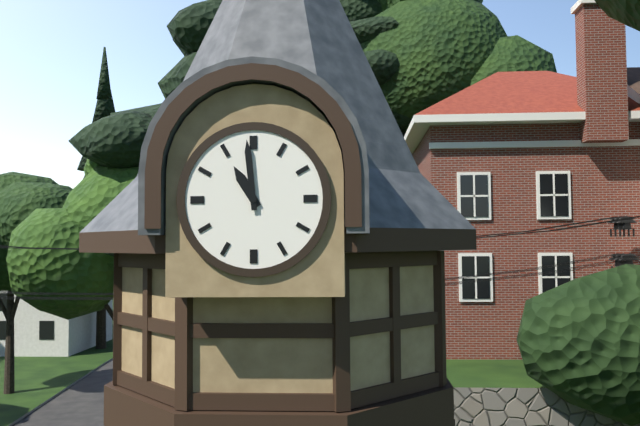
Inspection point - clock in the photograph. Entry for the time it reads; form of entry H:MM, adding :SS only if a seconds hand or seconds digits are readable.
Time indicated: 10:59
